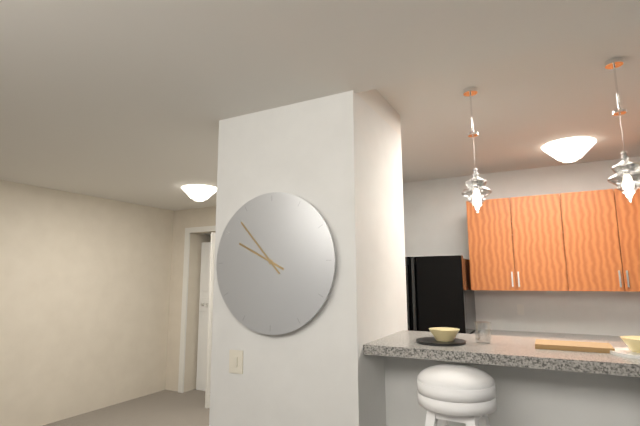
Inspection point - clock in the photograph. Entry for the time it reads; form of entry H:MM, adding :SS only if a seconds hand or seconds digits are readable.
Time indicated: 9:53
